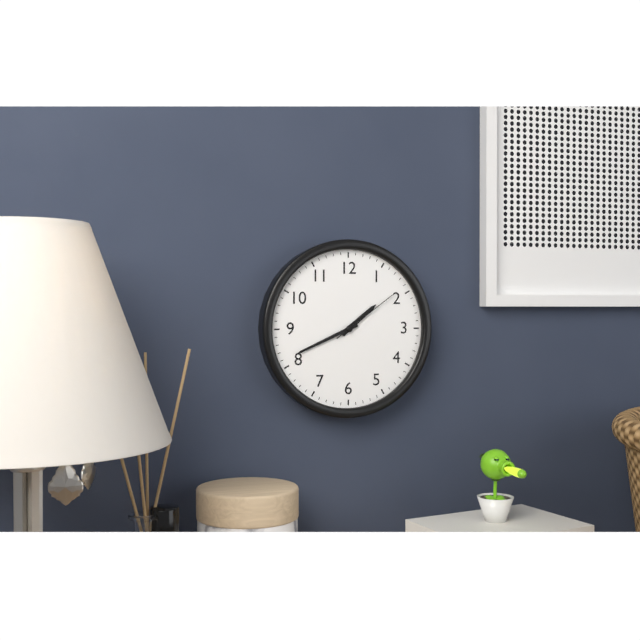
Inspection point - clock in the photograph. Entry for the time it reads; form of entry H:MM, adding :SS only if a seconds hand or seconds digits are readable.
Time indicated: 1:41:09
